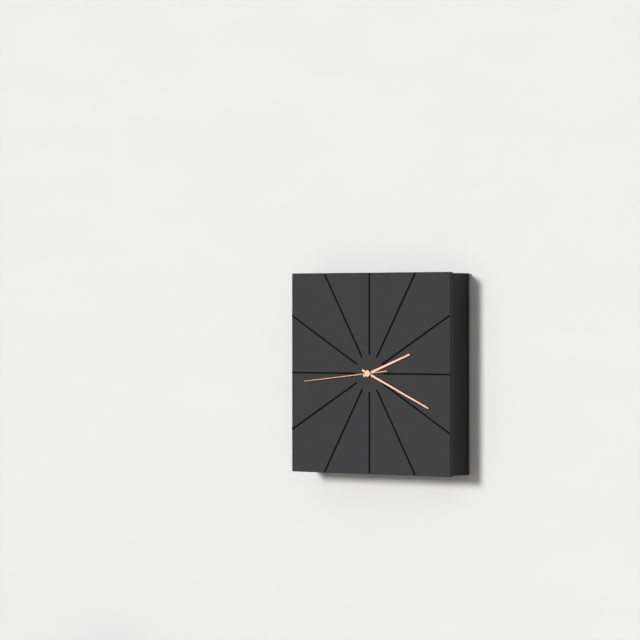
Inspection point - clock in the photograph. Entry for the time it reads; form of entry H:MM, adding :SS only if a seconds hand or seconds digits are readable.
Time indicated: 2:19:44
